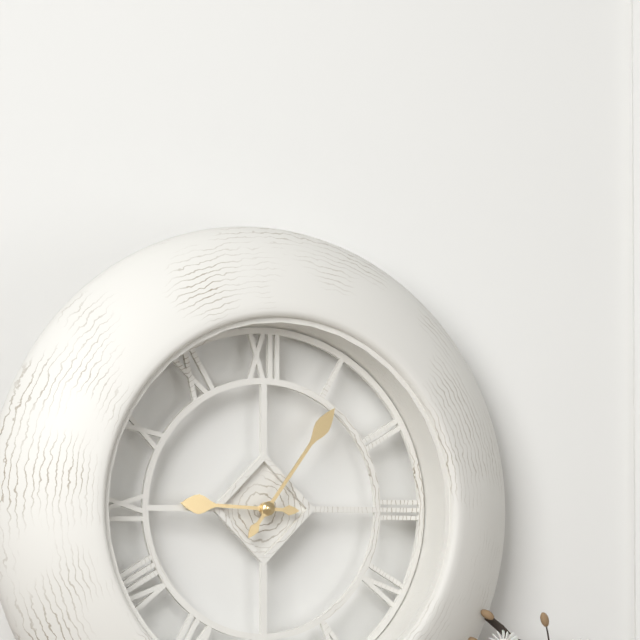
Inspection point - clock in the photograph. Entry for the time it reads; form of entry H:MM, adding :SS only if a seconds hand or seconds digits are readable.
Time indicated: 9:06
